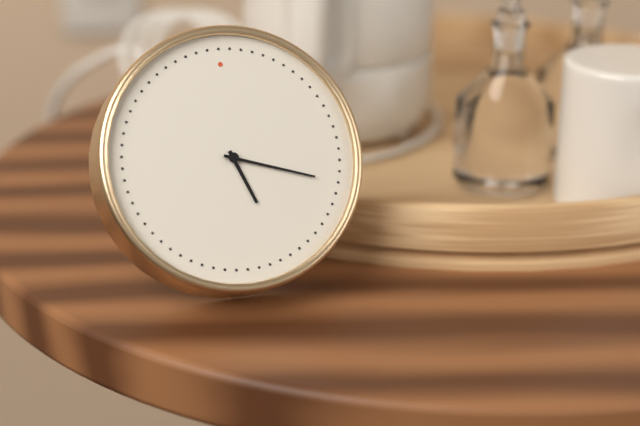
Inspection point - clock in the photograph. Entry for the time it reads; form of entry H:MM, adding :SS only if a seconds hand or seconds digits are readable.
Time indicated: 5:18
